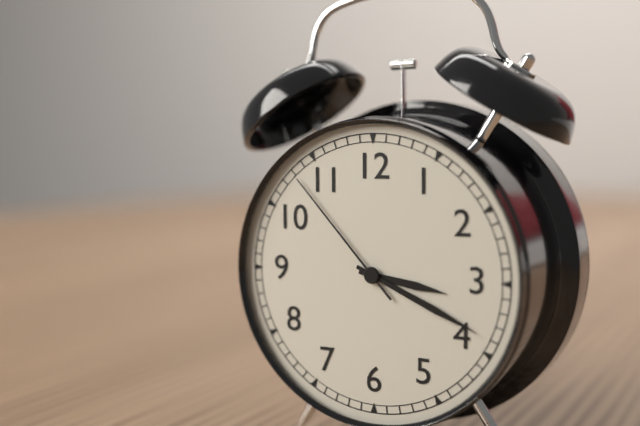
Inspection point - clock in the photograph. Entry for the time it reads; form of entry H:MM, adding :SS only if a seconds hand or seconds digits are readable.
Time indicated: 3:19:53
